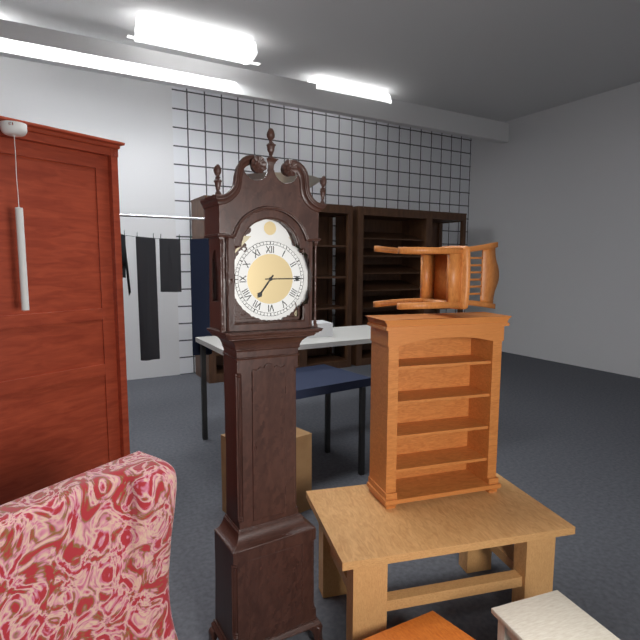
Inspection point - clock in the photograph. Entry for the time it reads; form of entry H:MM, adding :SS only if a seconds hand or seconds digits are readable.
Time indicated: 7:15
